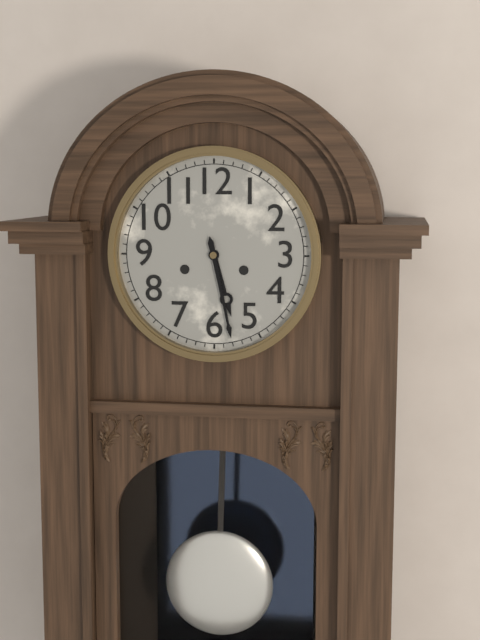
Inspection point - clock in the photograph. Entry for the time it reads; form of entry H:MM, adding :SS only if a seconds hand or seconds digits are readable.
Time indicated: 5:28
